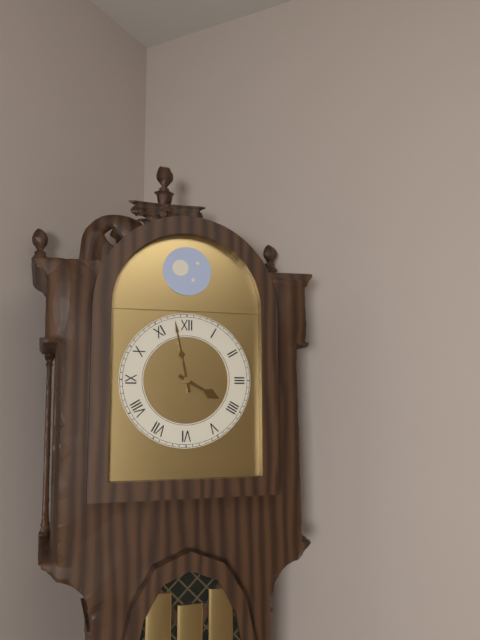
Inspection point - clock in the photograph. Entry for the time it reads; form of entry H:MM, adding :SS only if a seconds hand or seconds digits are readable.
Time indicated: 3:58
